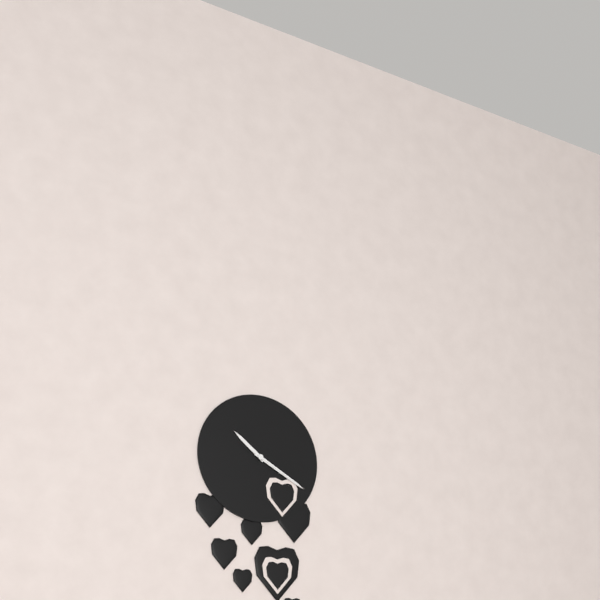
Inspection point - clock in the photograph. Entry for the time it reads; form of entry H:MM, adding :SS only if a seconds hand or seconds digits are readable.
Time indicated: 10:20:20
